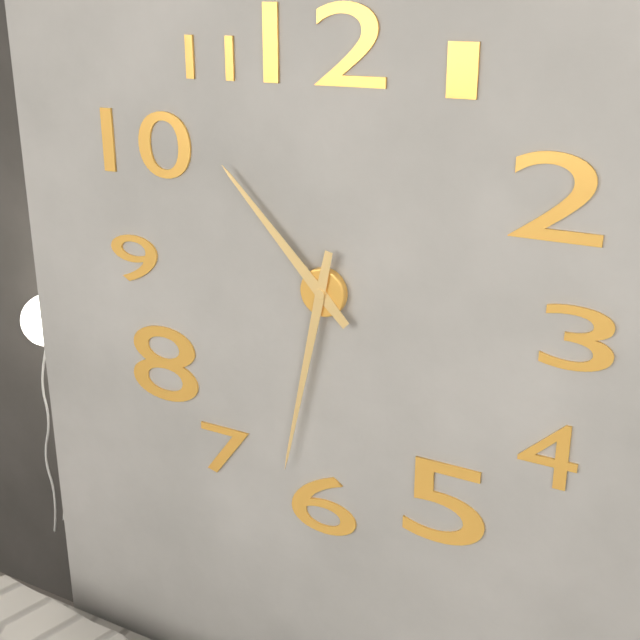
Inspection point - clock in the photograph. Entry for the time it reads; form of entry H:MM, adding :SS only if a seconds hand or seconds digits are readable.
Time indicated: 10:32
